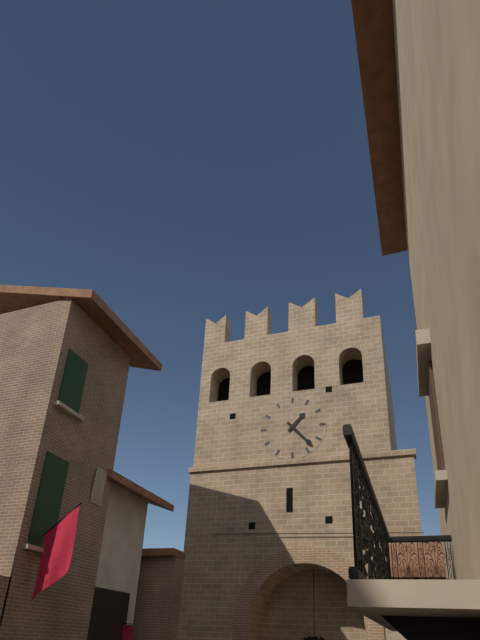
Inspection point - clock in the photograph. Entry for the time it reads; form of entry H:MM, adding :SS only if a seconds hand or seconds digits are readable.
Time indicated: 1:23
